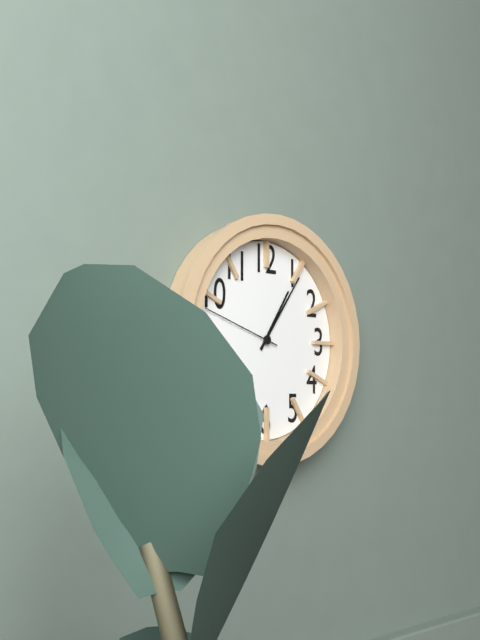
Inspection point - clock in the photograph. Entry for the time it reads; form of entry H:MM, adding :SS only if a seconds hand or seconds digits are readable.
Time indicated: 1:06:48
